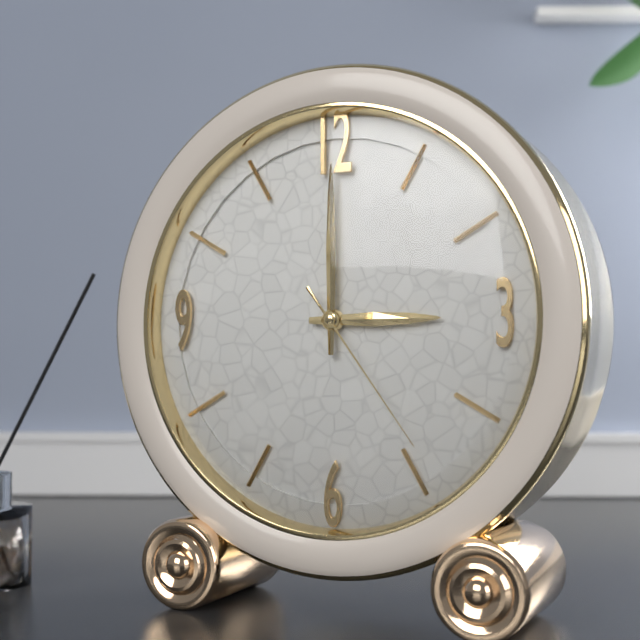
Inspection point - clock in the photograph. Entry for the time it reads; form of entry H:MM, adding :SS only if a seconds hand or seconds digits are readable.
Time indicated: 3:00:24
